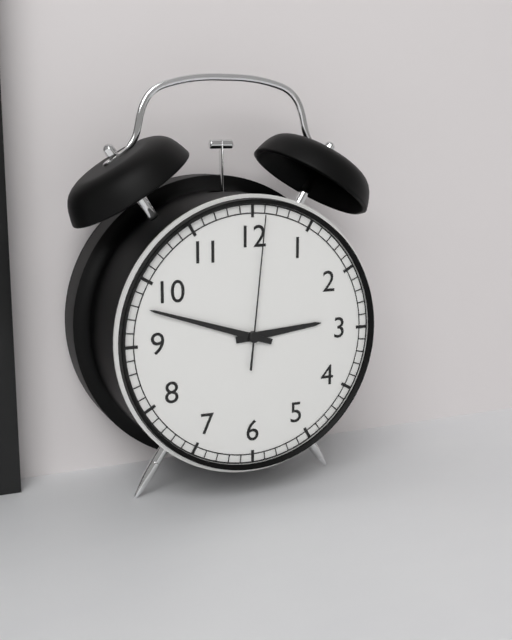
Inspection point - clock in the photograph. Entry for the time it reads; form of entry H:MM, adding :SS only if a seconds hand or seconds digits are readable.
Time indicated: 2:48:01
